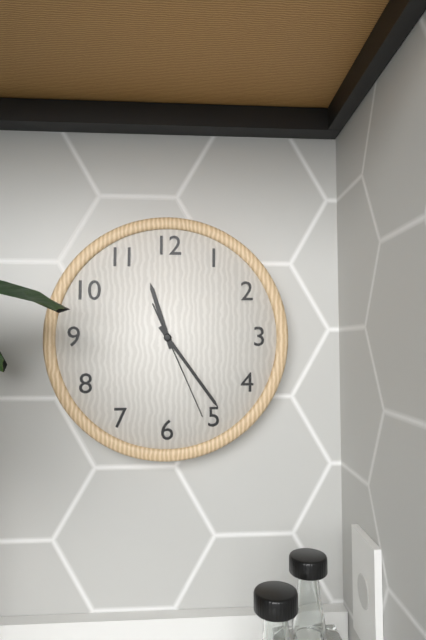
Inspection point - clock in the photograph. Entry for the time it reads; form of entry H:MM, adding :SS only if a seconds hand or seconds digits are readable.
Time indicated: 11:24:26
